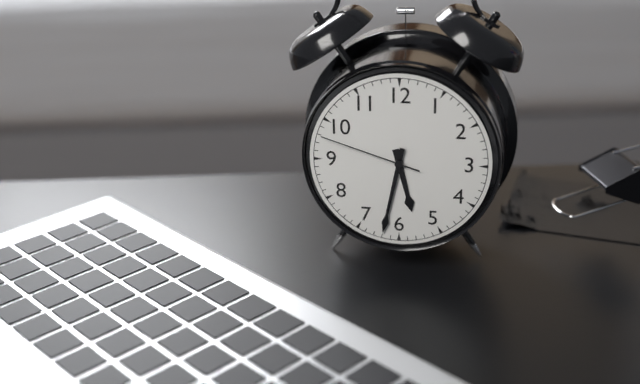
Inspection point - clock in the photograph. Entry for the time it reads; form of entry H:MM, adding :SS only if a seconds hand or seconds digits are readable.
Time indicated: 5:32:48
